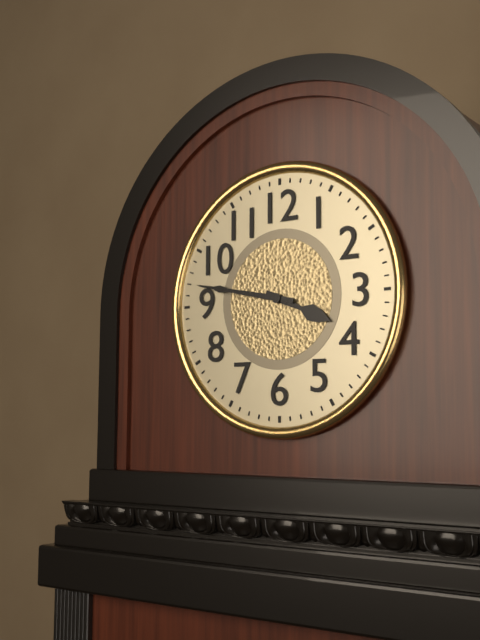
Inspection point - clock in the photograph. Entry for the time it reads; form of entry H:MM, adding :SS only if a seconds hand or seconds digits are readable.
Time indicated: 3:47
